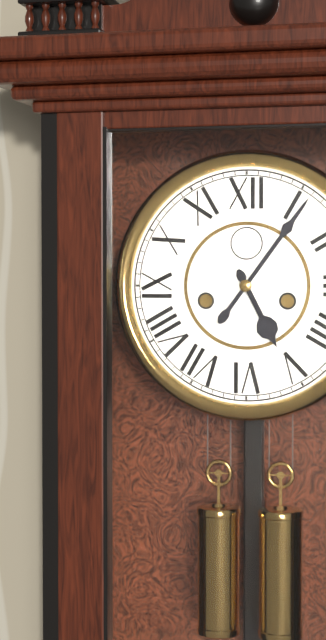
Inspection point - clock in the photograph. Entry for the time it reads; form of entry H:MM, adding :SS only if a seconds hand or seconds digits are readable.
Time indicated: 5:06
